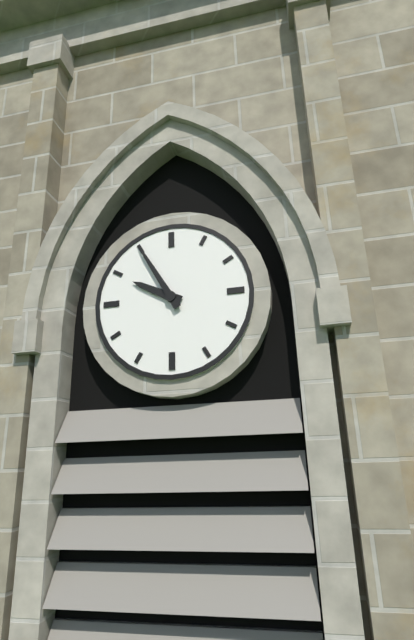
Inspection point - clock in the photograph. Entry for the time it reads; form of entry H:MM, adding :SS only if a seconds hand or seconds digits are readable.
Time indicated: 9:55
